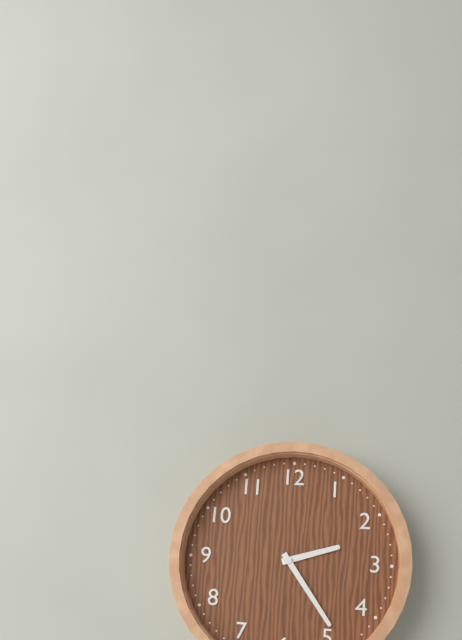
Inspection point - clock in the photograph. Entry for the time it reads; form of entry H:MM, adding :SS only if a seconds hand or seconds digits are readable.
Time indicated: 2:24
